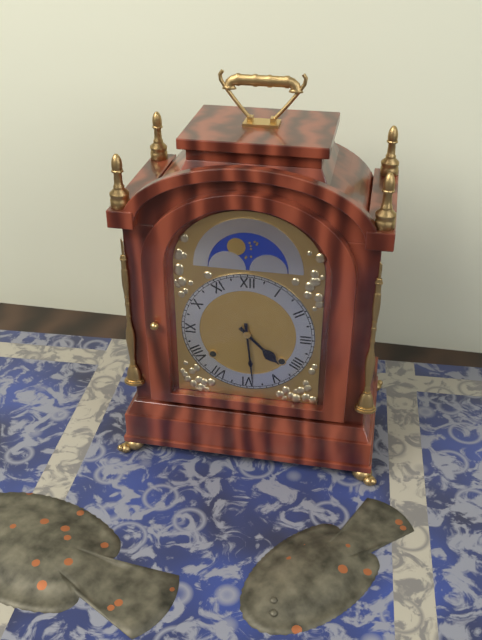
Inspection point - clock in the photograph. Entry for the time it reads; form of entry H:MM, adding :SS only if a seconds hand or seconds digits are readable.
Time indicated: 4:29
